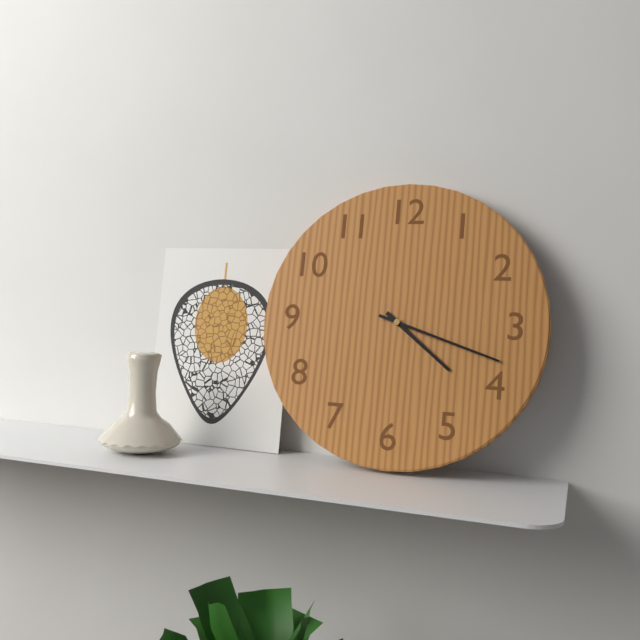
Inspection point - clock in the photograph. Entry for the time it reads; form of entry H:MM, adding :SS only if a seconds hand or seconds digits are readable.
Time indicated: 4:18
